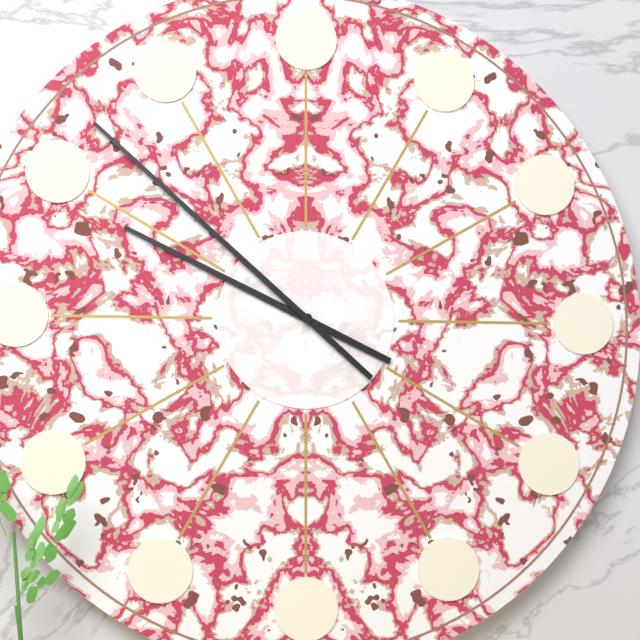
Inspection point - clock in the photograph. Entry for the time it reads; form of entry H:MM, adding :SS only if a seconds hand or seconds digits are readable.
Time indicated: 9:52
